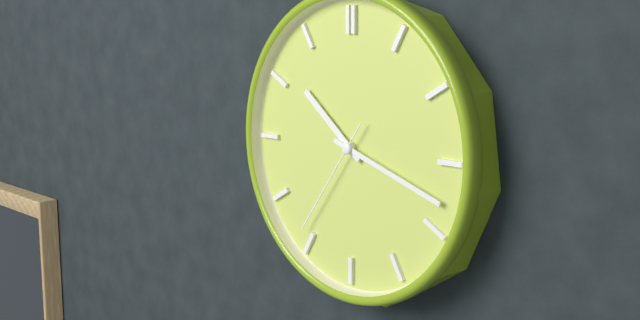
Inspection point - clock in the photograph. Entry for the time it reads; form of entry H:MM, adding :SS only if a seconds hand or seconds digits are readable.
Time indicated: 10:18:36
